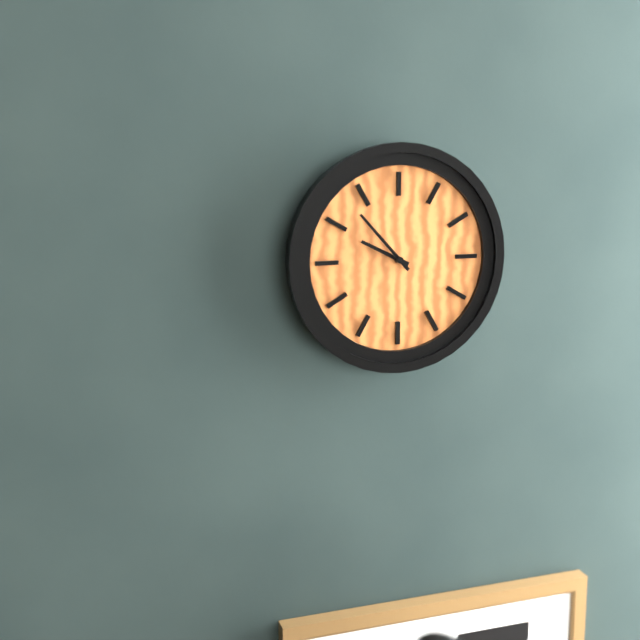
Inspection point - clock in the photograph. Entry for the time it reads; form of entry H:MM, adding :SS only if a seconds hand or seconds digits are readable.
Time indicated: 9:53
